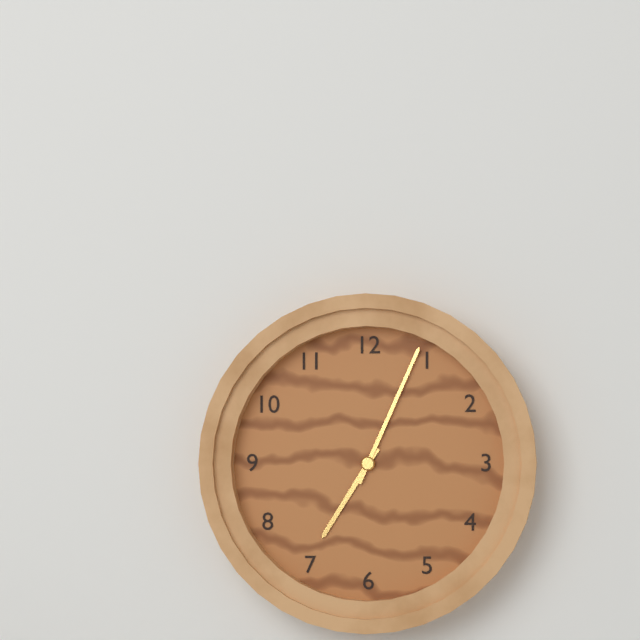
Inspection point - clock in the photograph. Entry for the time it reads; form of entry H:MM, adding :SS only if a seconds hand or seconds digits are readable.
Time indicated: 7:04
